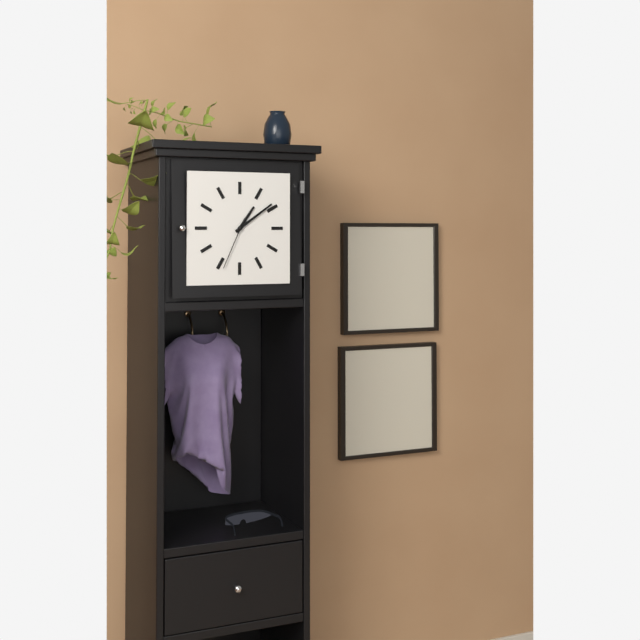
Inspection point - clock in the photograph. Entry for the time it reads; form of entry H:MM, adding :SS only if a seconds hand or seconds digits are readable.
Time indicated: 1:09:34
